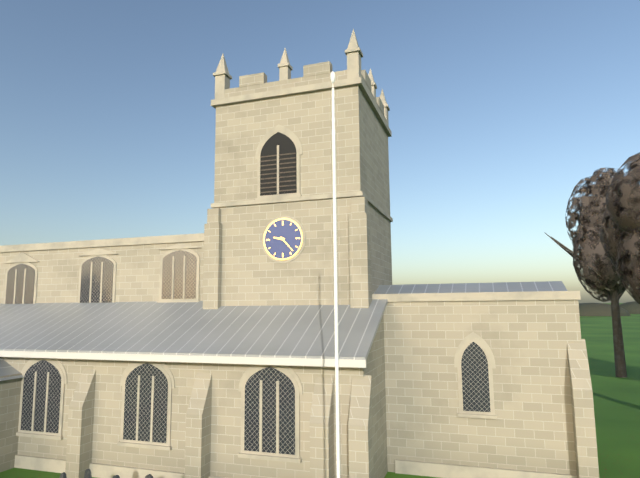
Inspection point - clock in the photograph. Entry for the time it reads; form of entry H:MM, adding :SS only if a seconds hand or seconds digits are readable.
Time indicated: 9:23
